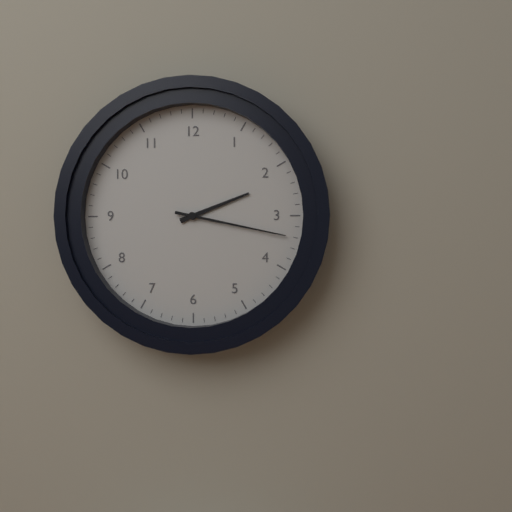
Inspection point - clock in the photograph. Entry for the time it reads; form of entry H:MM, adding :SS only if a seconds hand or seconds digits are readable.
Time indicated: 2:17
